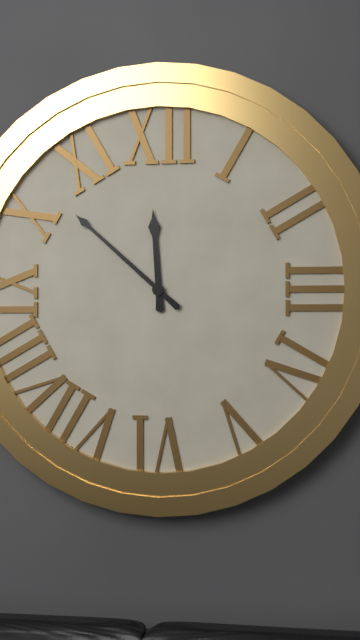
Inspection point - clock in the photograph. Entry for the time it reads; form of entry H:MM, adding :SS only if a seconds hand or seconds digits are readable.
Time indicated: 11:52
